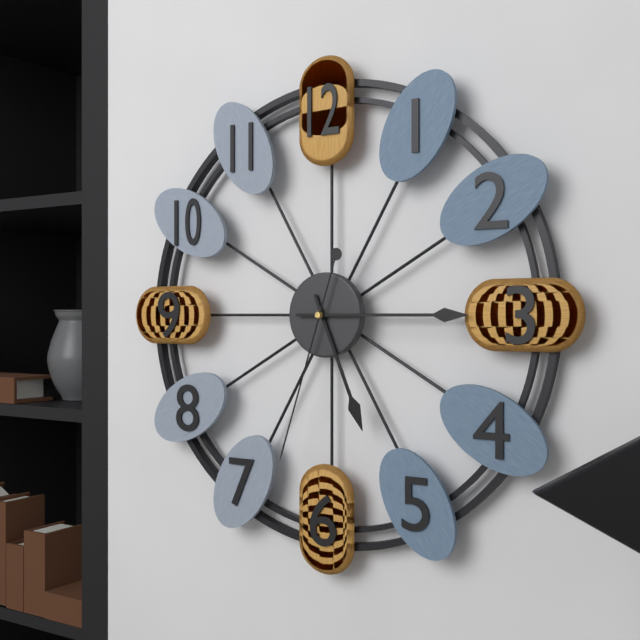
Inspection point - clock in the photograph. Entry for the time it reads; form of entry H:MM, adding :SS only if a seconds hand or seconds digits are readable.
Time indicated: 5:15:33
